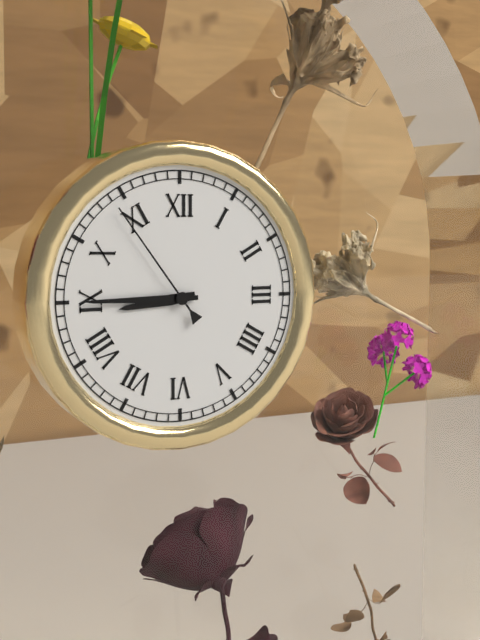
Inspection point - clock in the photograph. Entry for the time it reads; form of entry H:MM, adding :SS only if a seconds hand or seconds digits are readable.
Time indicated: 8:45:54
